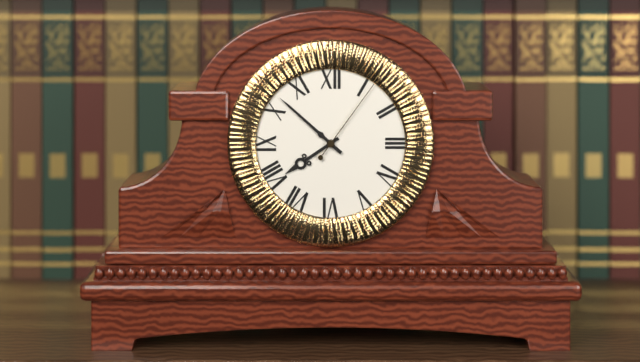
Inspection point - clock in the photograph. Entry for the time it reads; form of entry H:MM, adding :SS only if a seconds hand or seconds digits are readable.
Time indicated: 7:52:06
